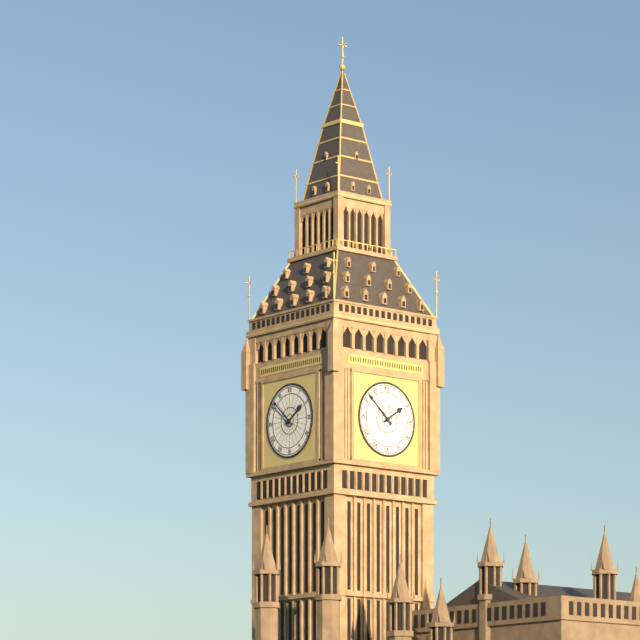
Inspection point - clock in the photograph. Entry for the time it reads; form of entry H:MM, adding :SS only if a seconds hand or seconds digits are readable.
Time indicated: 1:52
